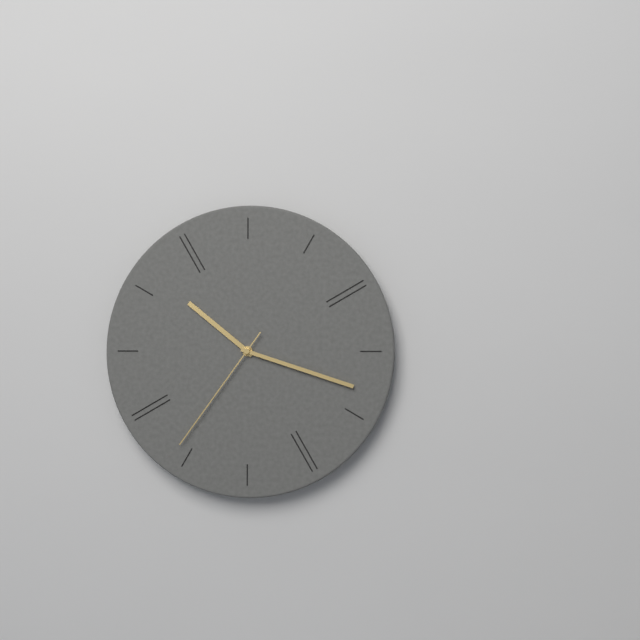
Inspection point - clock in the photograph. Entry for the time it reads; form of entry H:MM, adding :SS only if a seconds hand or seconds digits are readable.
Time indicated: 10:18:36
